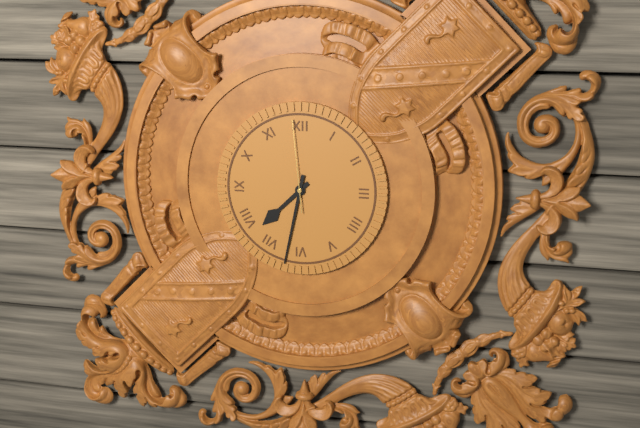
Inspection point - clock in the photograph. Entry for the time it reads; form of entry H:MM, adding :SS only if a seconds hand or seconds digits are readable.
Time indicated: 7:32:59
